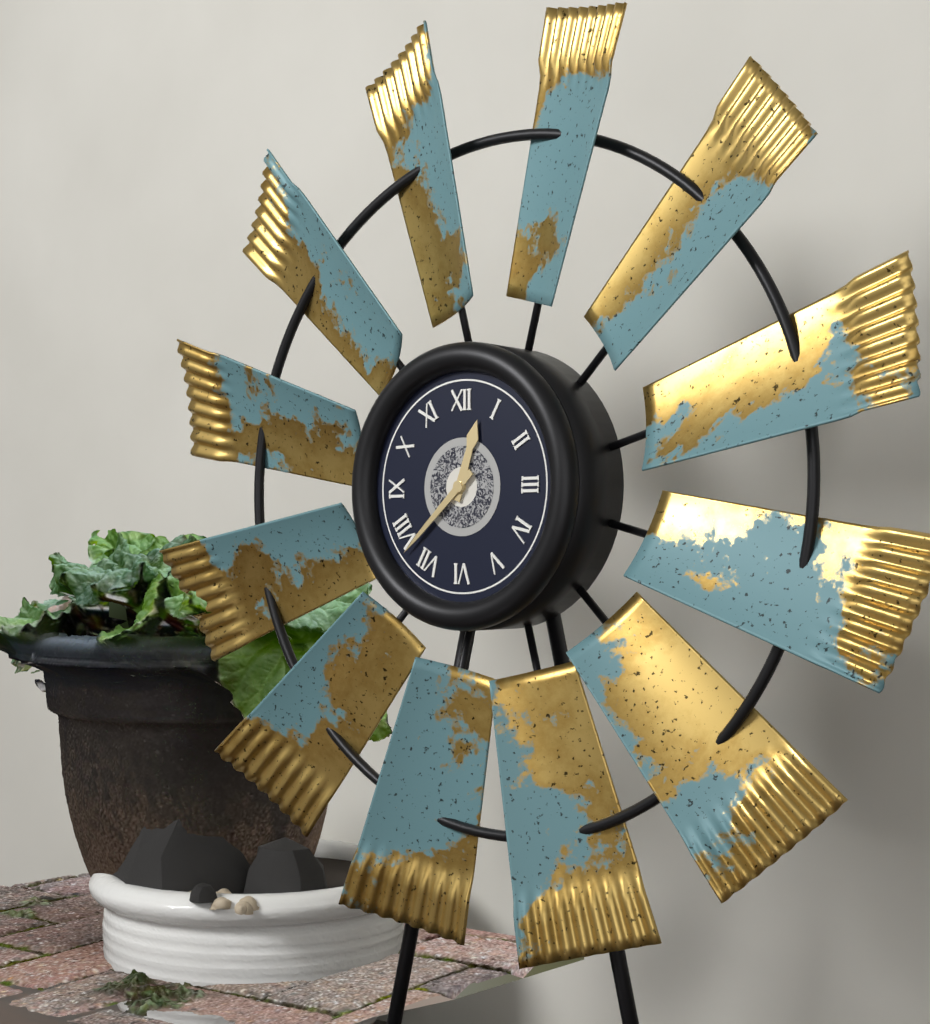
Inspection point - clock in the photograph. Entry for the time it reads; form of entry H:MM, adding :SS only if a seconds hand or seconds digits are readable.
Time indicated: 12:38
